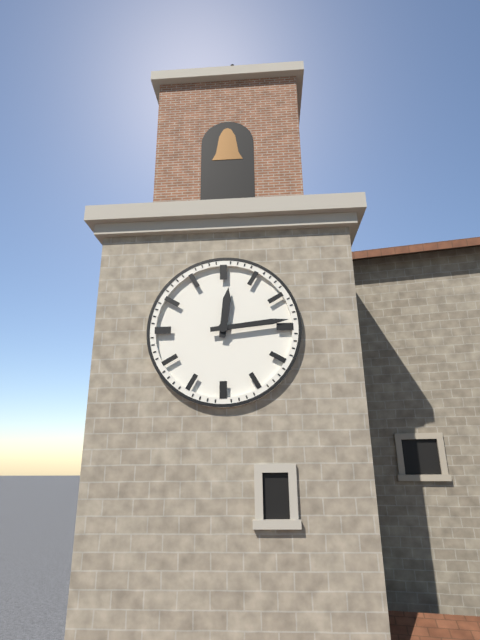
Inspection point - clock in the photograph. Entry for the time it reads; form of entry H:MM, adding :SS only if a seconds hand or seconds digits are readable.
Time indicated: 12:14
